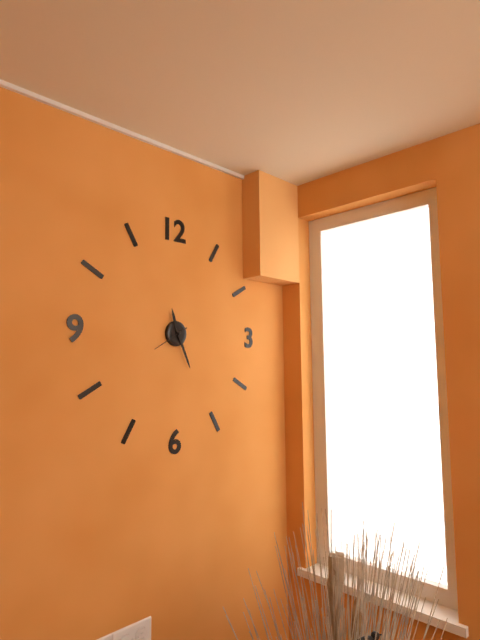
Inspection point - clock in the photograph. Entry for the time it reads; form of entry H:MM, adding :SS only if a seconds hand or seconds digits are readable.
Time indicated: 11:26
